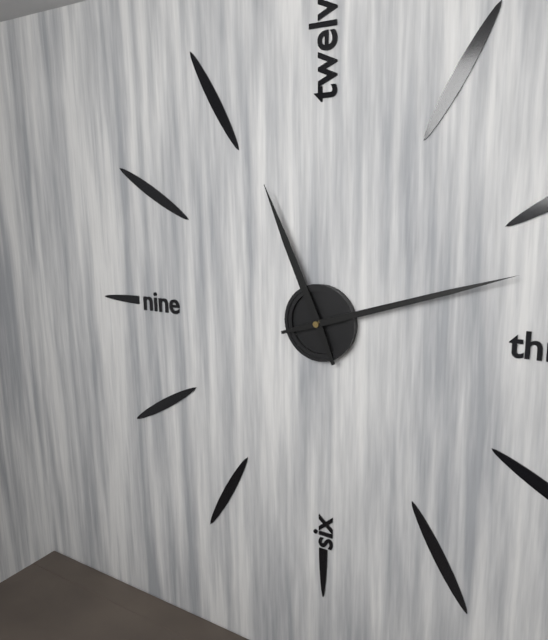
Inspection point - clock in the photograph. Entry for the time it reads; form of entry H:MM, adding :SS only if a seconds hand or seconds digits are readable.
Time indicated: 11:12
